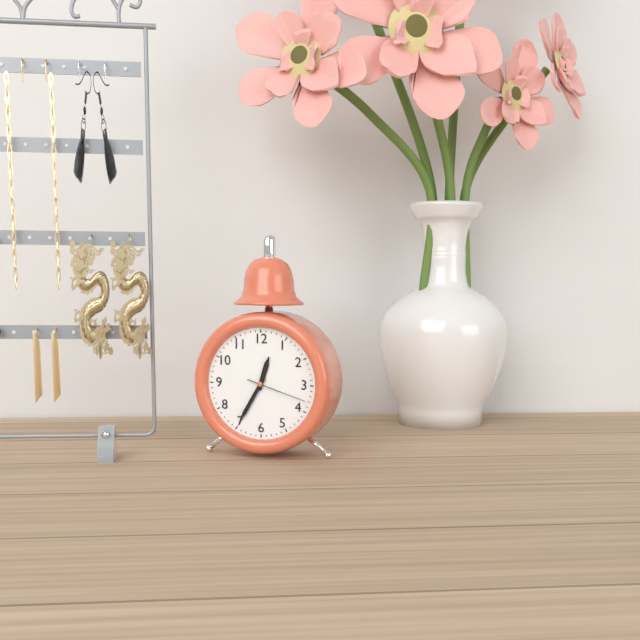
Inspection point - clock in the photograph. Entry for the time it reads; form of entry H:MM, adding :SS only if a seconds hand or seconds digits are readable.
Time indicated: 12:35:18
